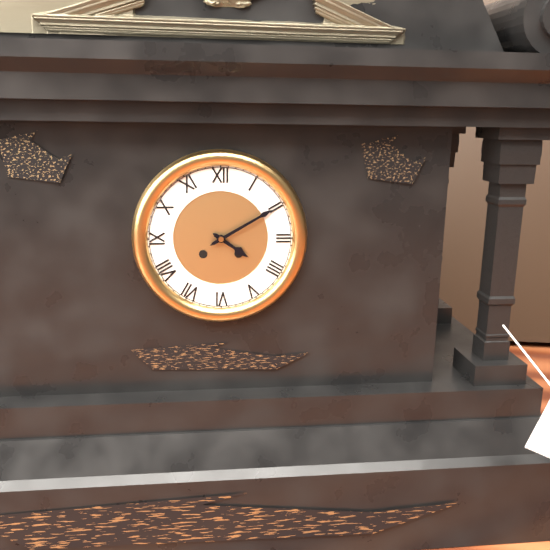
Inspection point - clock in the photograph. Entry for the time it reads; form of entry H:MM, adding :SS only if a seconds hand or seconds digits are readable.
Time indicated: 4:10
